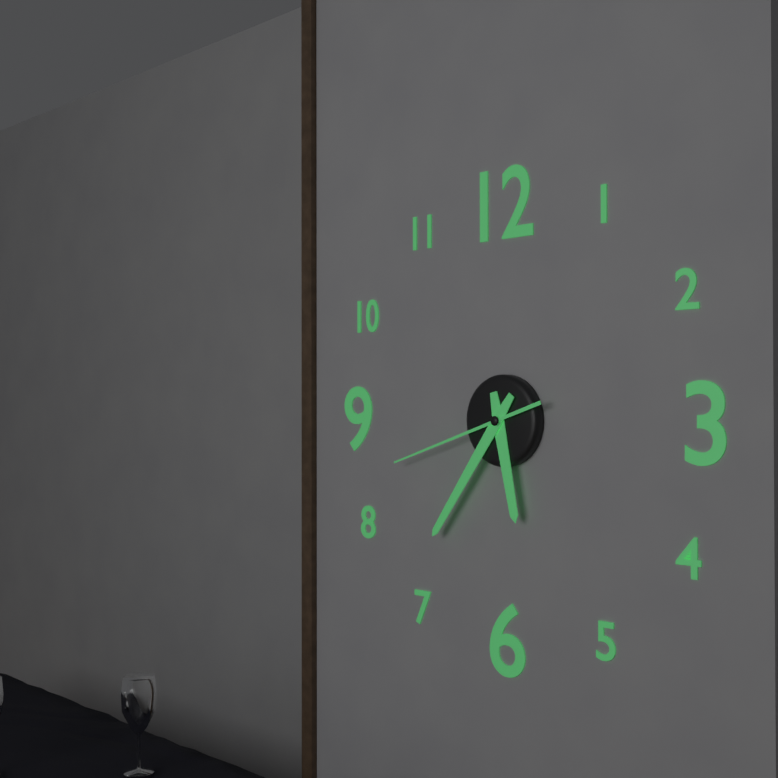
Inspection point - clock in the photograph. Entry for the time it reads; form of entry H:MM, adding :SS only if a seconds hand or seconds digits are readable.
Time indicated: 5:36:42
